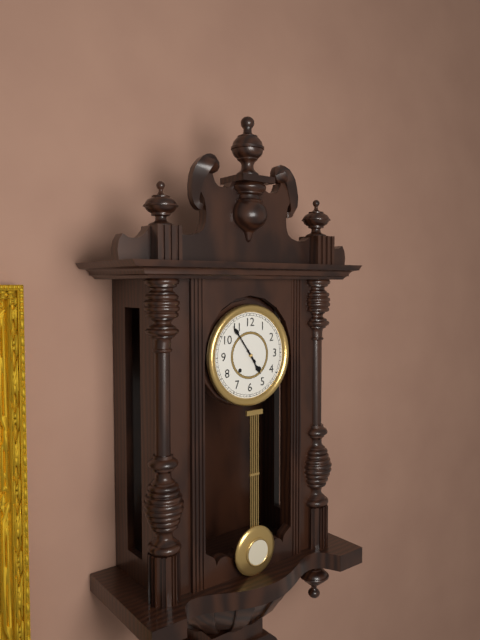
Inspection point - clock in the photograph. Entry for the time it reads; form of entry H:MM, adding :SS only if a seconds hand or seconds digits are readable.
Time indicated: 4:54
